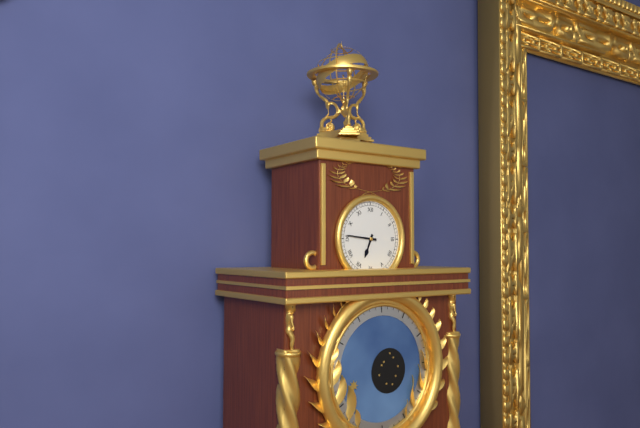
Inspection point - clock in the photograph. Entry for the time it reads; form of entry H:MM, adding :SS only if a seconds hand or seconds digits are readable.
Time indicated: 6:46
